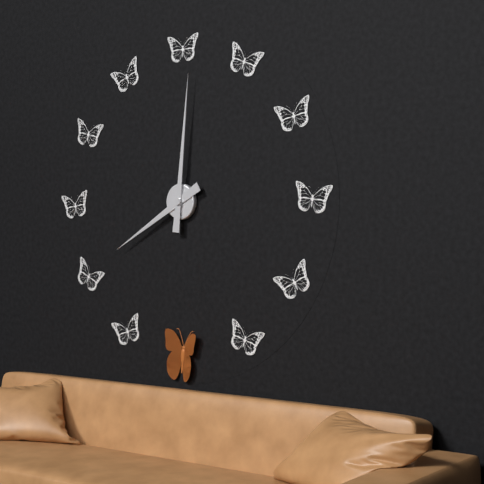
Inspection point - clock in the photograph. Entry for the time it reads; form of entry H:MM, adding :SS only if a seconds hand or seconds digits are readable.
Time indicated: 8:01
